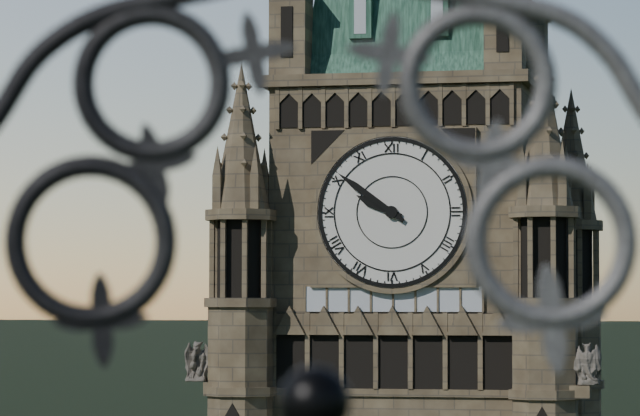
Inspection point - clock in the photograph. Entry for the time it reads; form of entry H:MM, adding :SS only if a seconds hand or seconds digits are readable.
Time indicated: 9:51
